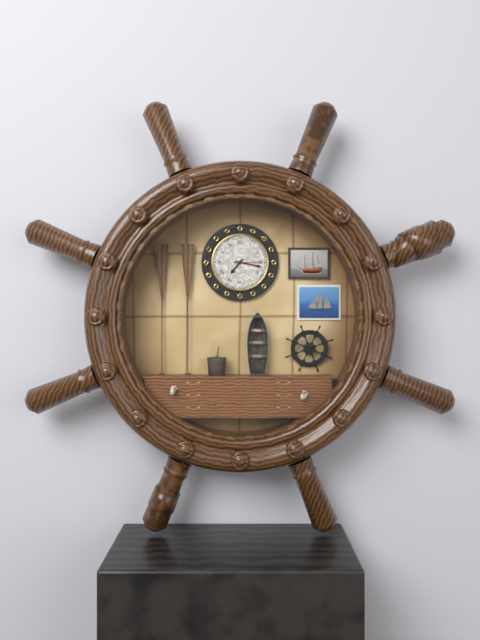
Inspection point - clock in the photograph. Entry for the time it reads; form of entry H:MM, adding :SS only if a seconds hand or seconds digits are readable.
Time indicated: 7:17
